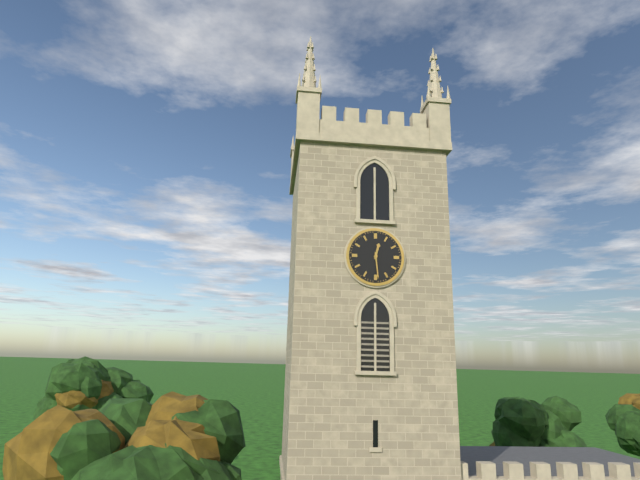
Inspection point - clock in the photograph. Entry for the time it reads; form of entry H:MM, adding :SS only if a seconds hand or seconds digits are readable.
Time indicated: 12:29
